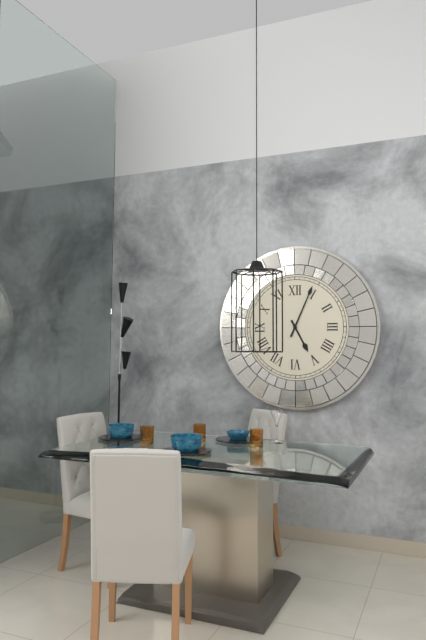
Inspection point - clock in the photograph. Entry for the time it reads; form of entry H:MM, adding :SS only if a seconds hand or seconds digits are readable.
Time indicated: 5:04
